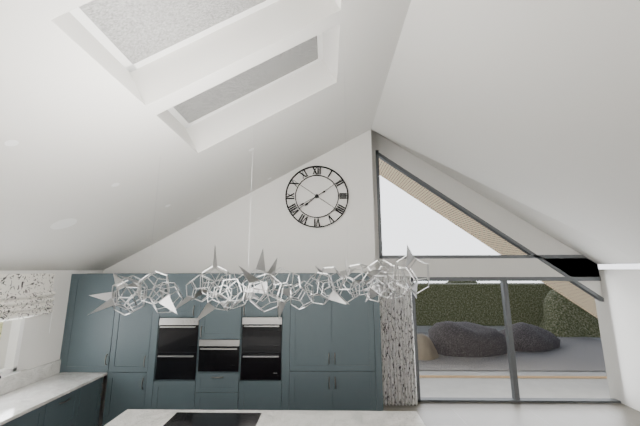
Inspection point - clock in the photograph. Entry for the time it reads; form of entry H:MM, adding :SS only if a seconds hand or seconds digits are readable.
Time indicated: 7:40
